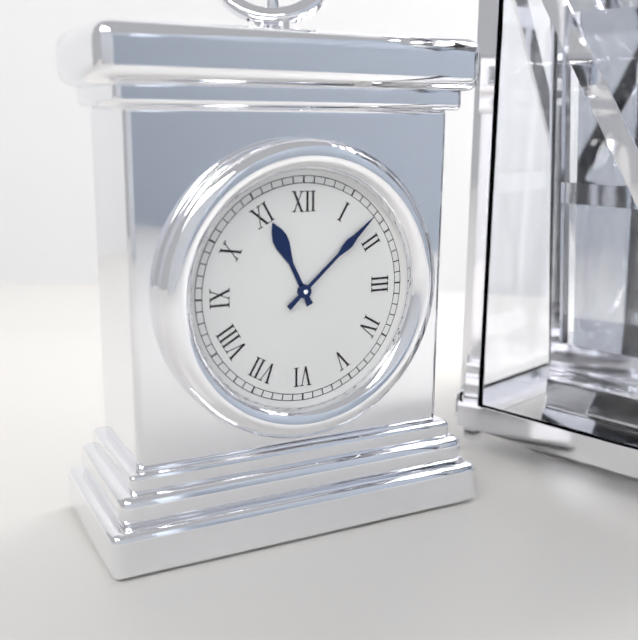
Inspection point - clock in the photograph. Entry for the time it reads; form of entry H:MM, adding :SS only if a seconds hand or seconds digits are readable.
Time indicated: 11:08
